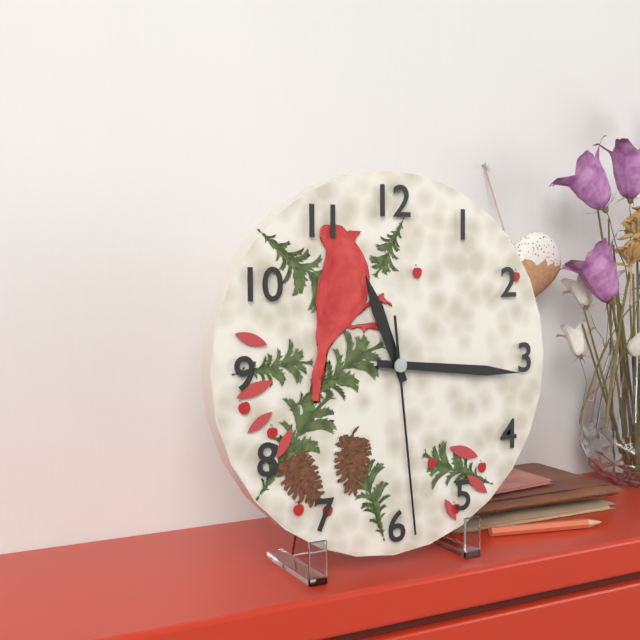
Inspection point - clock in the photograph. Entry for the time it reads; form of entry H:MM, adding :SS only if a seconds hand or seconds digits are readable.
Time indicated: 11:16:29
